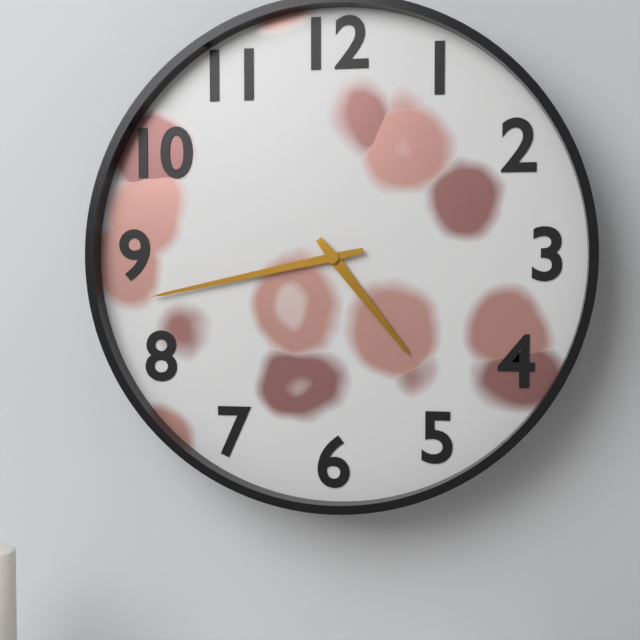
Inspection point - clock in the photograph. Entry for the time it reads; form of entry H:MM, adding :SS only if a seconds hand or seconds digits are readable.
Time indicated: 4:43
